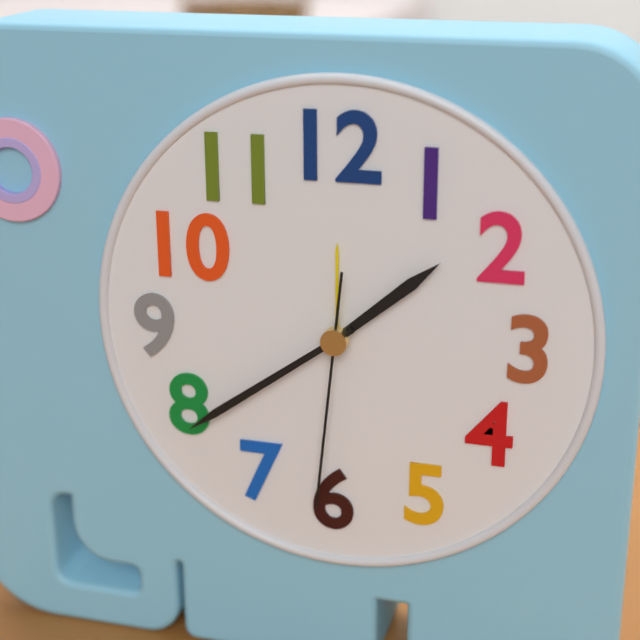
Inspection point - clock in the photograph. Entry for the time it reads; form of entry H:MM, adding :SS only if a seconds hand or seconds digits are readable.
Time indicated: 1:39:31
